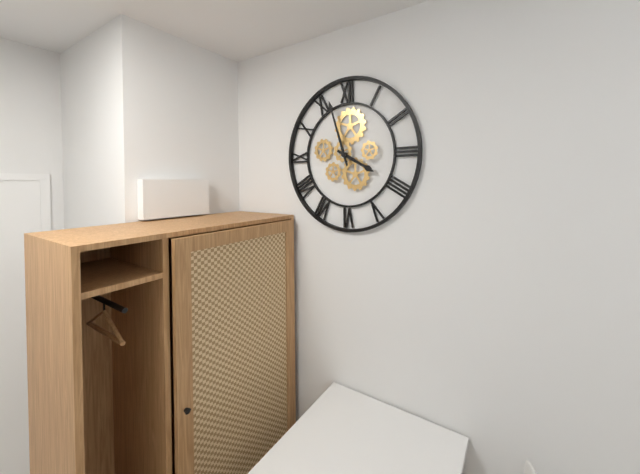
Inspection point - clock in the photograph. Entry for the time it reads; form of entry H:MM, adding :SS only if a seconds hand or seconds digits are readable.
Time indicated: 3:57
